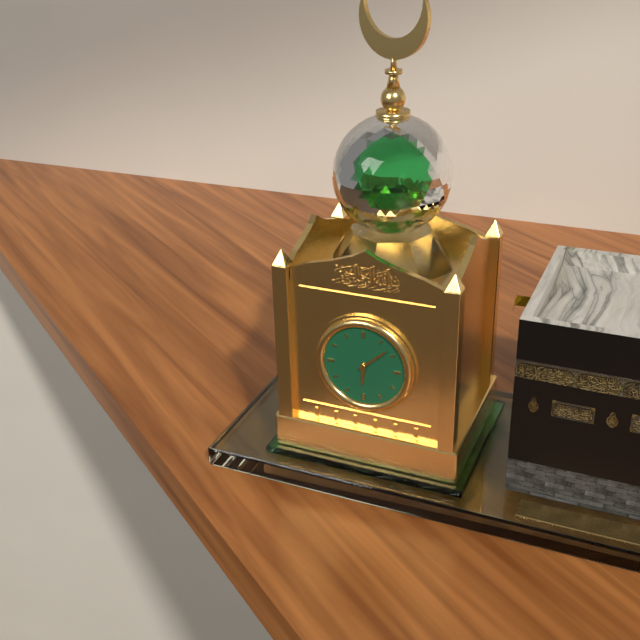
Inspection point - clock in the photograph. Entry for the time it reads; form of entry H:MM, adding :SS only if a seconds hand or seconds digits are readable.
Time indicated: 6:08
